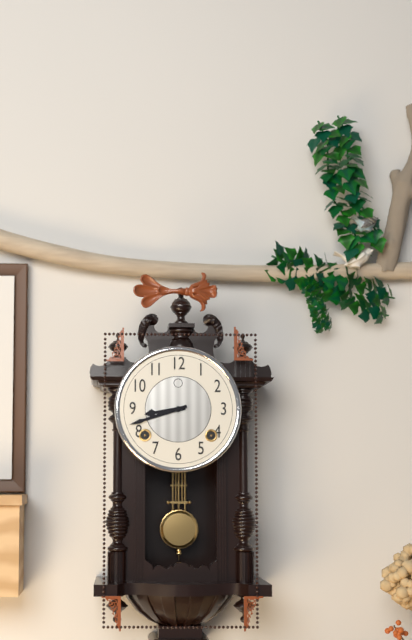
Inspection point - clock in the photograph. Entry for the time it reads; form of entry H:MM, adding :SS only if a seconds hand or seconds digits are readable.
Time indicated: 8:42
